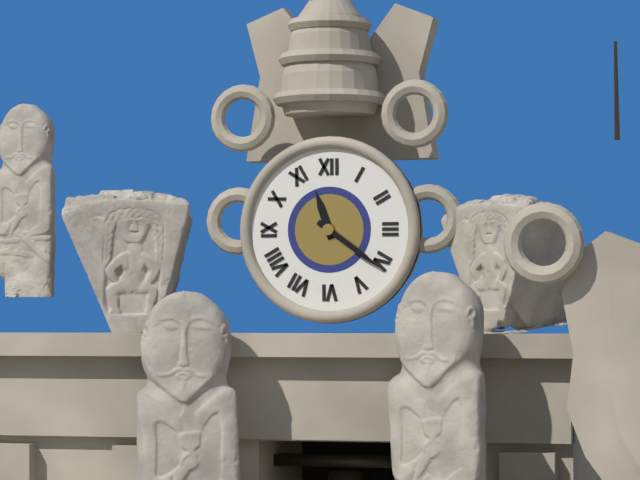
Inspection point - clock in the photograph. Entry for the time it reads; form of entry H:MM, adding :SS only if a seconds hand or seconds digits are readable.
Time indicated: 11:21
